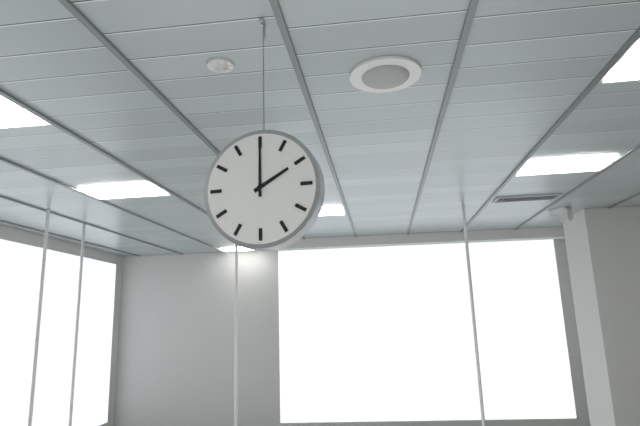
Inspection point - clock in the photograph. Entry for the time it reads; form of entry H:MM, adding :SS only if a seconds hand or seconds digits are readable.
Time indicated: 2:00
